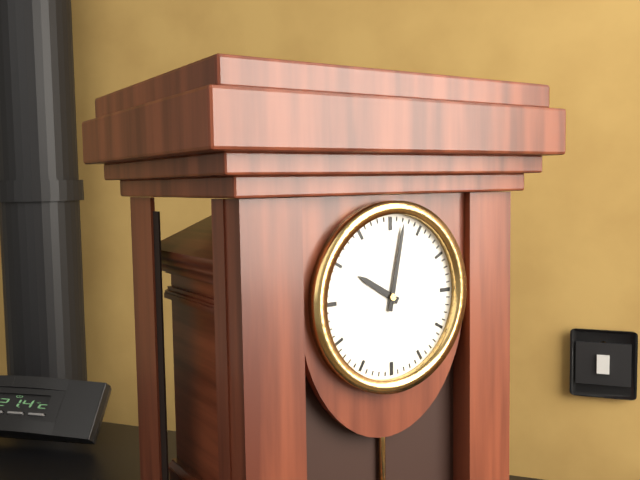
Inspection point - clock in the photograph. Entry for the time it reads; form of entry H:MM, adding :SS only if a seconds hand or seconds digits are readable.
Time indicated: 10:02
